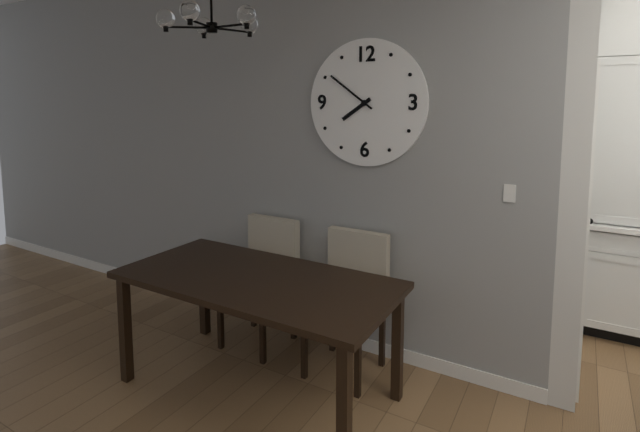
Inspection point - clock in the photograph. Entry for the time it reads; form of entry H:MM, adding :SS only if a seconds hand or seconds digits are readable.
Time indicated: 7:51
